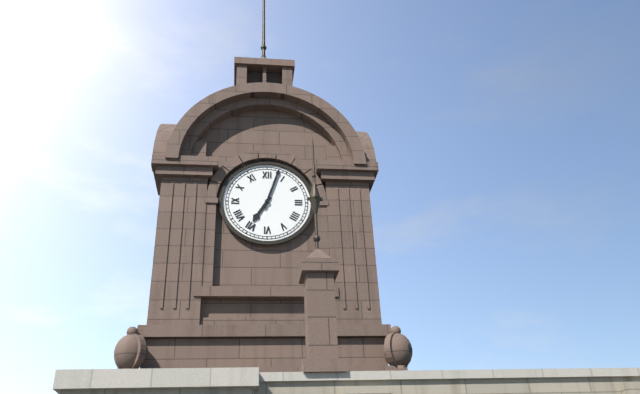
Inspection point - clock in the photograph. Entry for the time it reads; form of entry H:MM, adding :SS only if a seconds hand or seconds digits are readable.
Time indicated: 7:03
